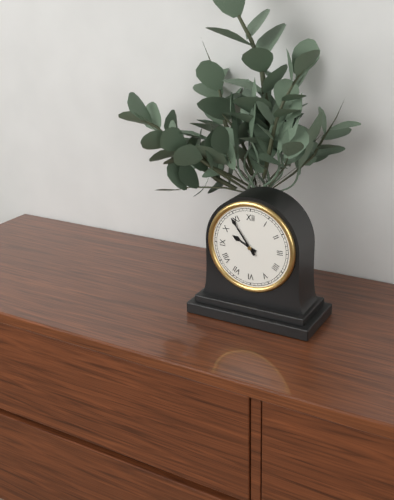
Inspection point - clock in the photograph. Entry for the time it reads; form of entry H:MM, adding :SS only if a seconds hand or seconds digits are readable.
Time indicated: 9:54
